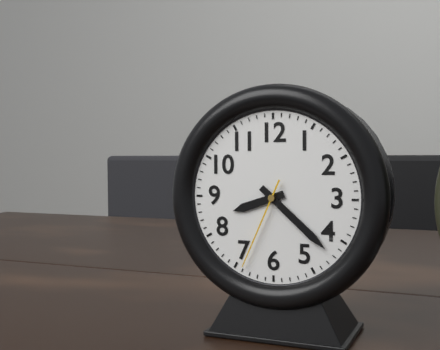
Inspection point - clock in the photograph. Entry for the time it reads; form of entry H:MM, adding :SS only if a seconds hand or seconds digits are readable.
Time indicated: 8:22:34
